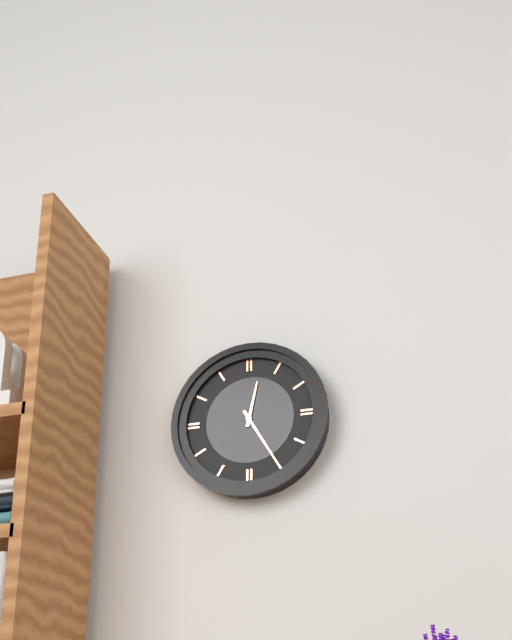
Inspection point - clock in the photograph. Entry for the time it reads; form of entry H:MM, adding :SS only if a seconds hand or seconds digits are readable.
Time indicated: 12:25
